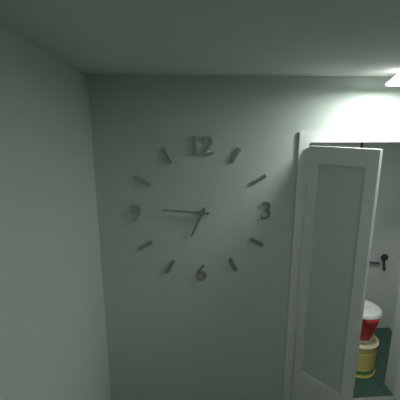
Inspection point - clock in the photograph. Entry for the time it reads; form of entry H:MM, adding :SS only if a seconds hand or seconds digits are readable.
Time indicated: 6:46
